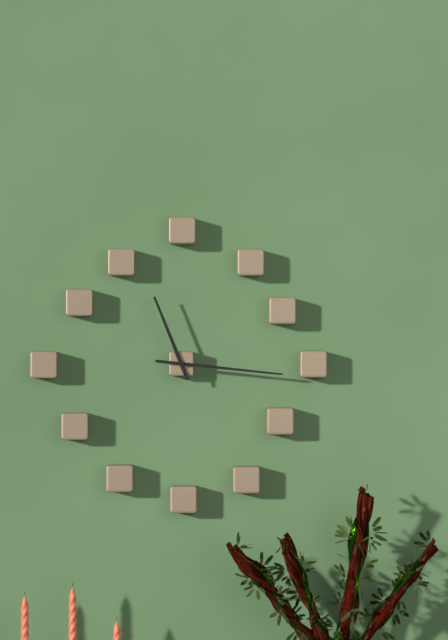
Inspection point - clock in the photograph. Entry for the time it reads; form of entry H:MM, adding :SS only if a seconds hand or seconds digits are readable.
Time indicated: 11:16
